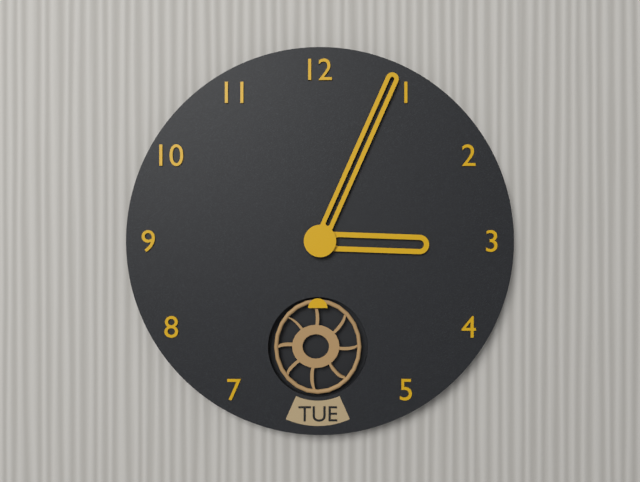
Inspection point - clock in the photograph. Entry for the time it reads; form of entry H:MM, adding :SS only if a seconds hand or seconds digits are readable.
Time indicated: 3:04
